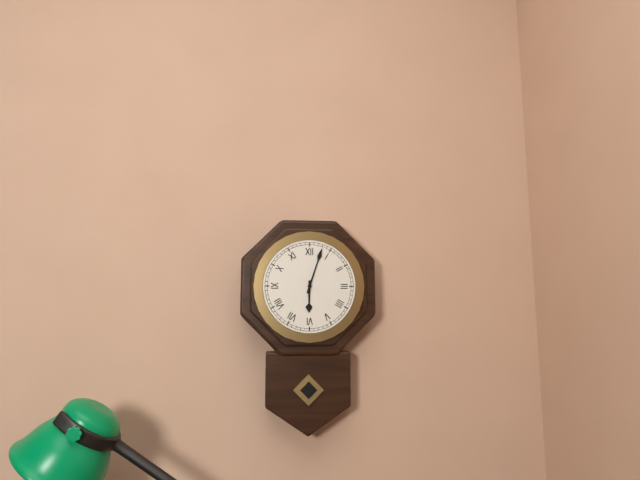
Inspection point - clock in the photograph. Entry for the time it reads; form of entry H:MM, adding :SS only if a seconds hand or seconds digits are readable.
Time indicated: 6:03
